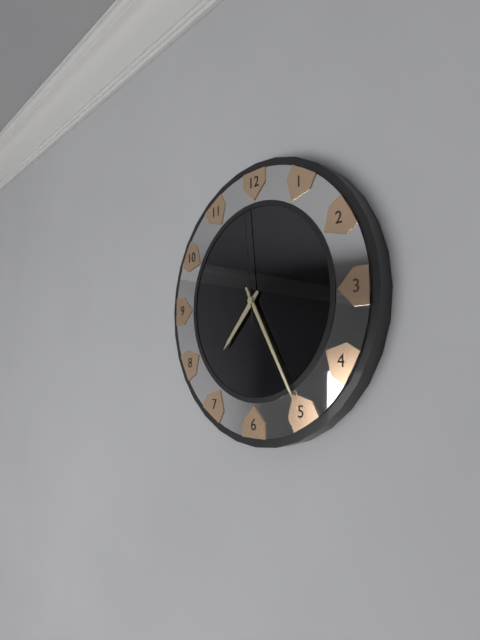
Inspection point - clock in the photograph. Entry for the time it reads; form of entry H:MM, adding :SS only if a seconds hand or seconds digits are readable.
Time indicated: 7:25:59
